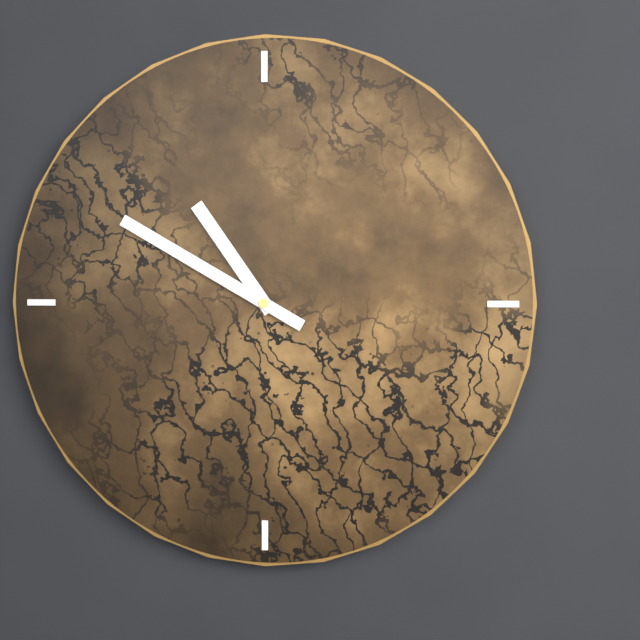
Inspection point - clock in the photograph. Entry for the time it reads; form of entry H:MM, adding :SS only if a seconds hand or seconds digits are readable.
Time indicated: 10:50
